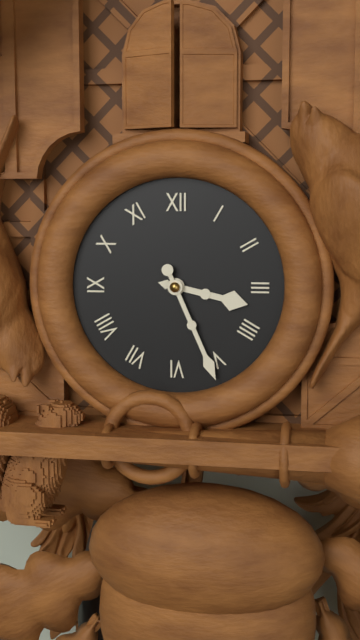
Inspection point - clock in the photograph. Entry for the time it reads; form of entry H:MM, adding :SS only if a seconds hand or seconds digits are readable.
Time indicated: 3:26
